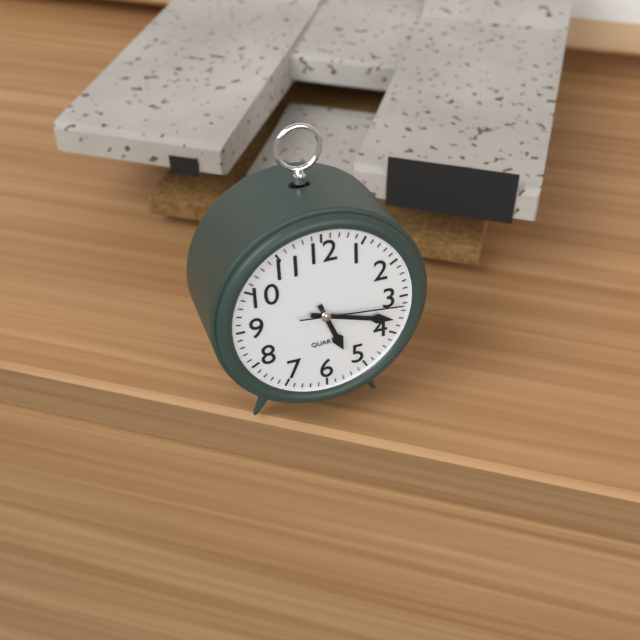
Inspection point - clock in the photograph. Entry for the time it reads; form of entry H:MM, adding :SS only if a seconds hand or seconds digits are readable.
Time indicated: 5:18:16
